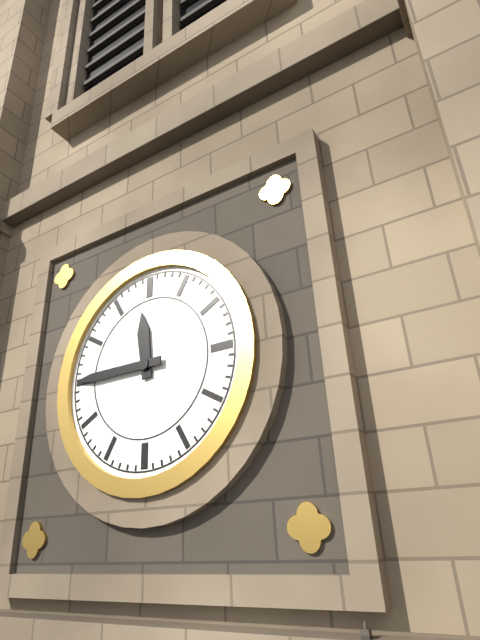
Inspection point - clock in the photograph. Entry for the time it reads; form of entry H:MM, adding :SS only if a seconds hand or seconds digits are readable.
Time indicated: 11:45
